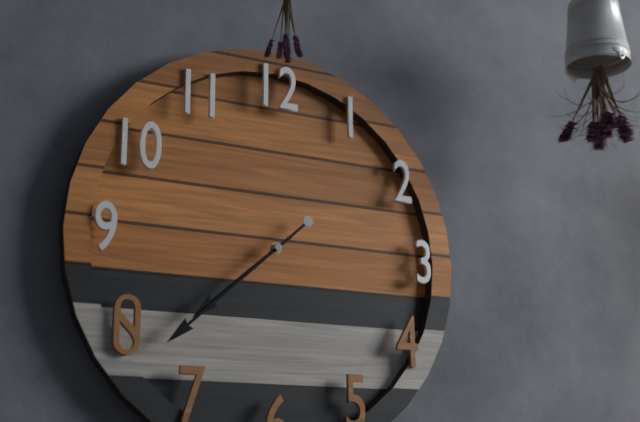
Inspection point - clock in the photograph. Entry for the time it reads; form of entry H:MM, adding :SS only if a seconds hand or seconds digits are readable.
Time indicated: 7:38
